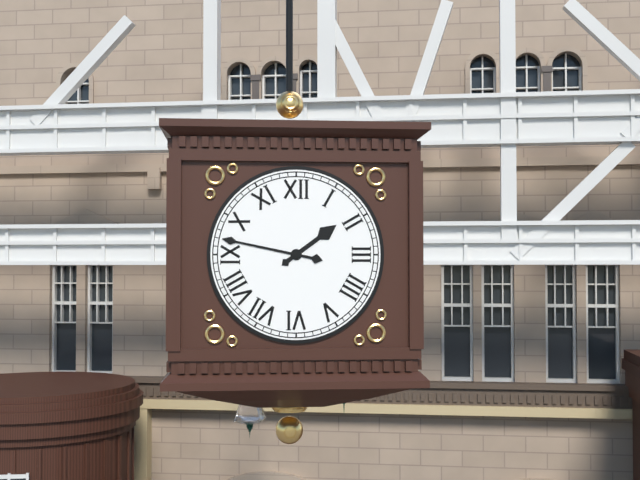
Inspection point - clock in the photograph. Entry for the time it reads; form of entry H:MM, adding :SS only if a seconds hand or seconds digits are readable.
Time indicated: 1:47
